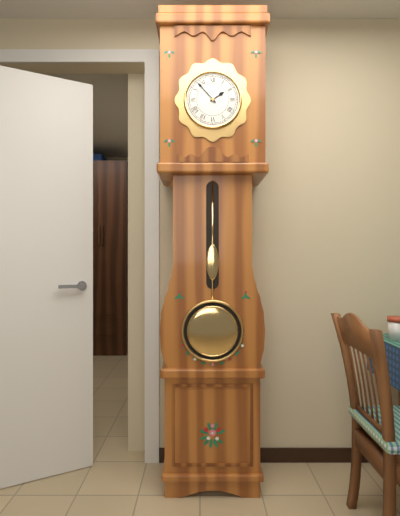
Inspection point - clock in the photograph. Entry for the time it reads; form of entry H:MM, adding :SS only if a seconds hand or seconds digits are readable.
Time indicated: 1:53
